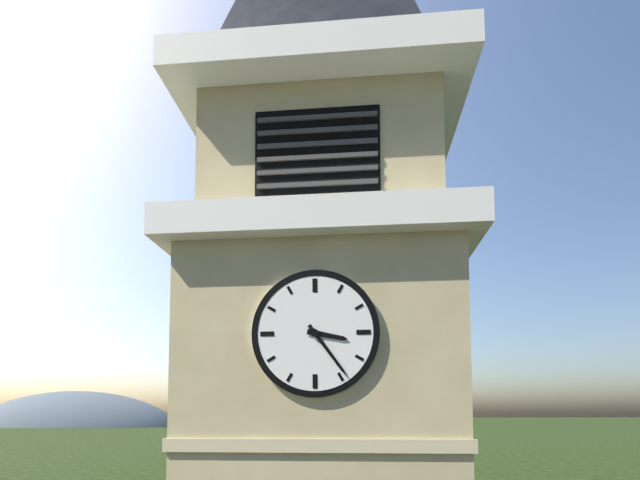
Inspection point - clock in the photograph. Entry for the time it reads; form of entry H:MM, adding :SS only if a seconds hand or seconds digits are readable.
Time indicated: 3:24
